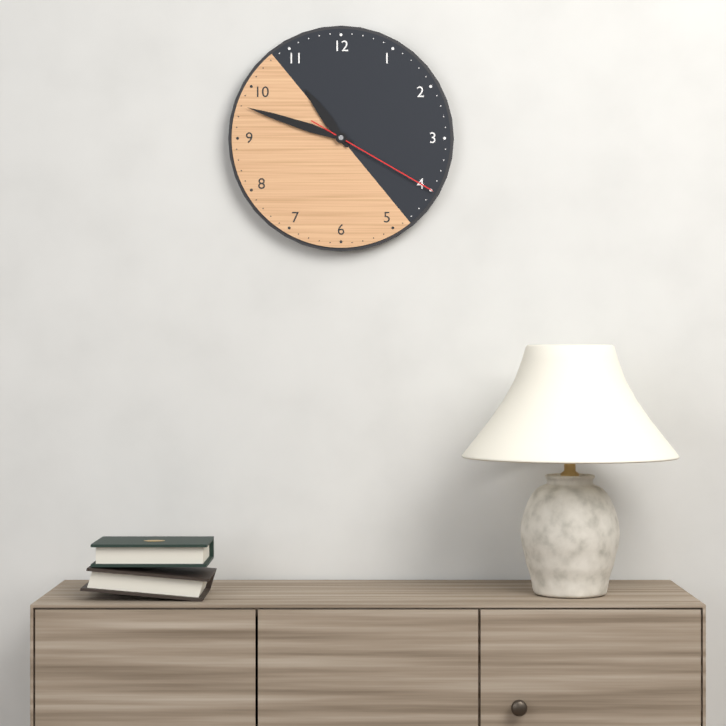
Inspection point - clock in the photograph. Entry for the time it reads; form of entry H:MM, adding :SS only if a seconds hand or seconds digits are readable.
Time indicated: 10:48:20
